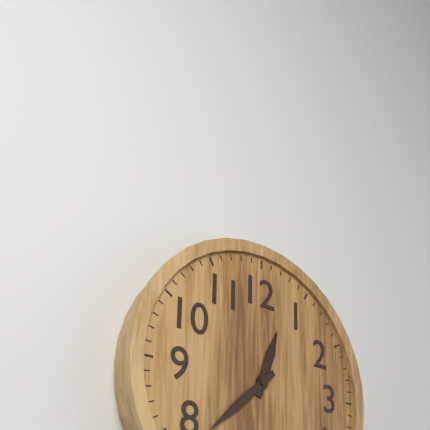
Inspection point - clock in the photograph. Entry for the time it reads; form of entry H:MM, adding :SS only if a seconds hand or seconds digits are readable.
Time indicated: 12:38
